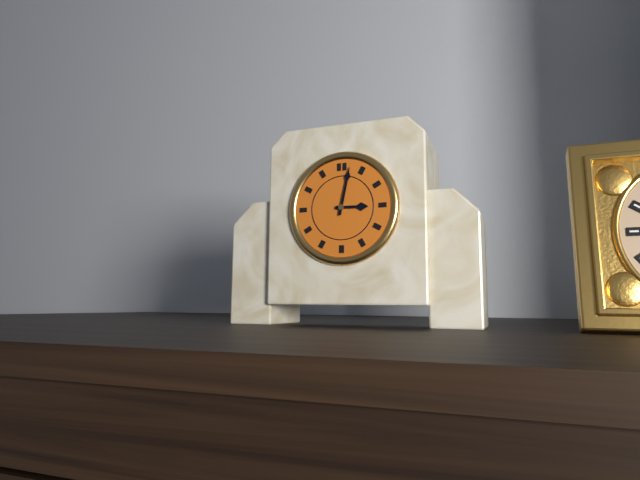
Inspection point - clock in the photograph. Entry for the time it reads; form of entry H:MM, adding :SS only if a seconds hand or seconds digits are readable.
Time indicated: 3:02
